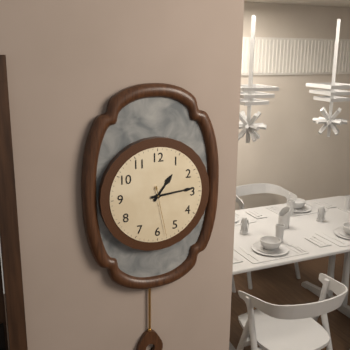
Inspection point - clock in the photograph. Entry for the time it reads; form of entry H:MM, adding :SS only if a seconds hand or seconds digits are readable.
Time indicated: 1:14:28
